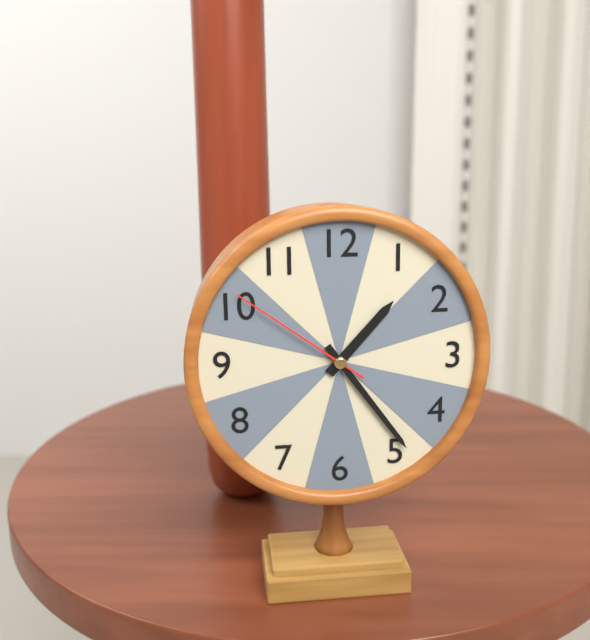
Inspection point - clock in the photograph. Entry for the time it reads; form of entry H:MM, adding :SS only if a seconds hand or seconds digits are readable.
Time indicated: 1:24:51
